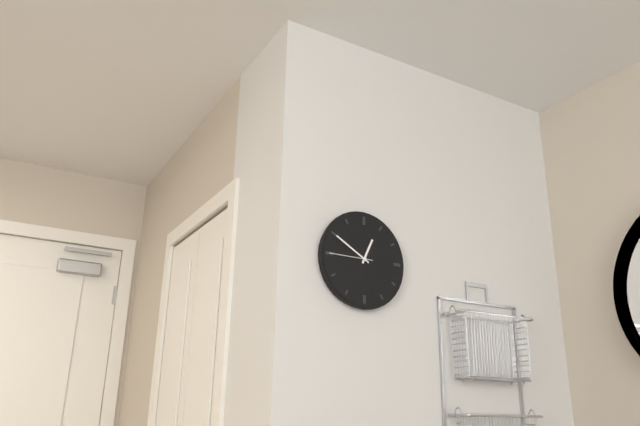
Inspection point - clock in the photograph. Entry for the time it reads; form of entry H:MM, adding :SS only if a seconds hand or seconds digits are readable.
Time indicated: 12:50
